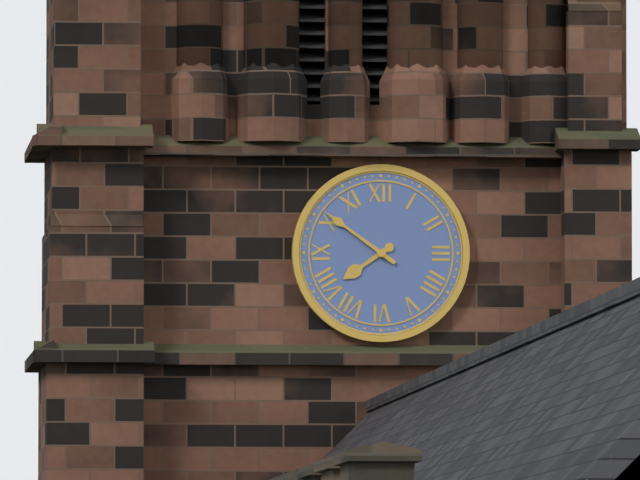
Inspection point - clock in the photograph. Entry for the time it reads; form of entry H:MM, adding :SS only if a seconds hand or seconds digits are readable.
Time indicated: 7:51
